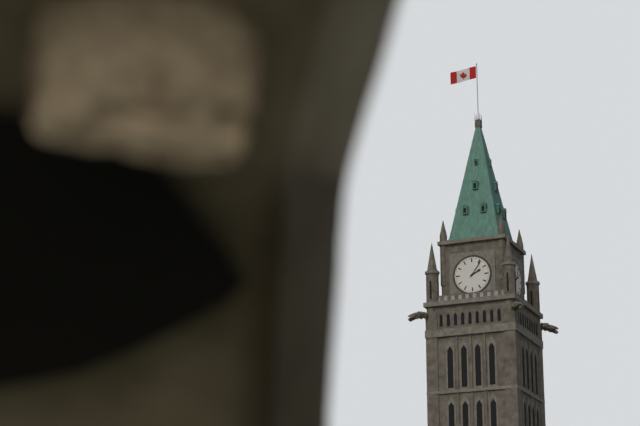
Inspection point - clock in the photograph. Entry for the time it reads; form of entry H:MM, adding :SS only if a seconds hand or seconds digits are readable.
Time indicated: 2:06
